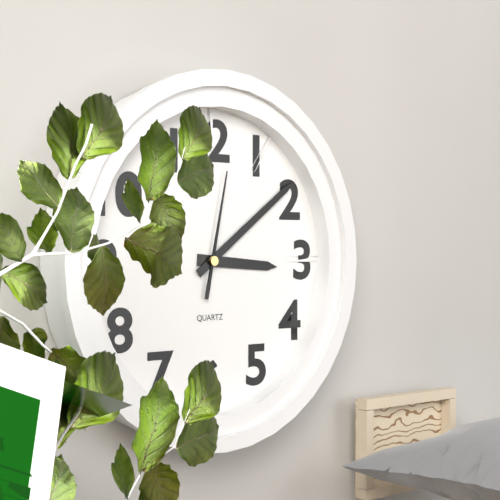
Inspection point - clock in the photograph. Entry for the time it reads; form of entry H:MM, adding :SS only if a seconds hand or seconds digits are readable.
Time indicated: 3:09:02
